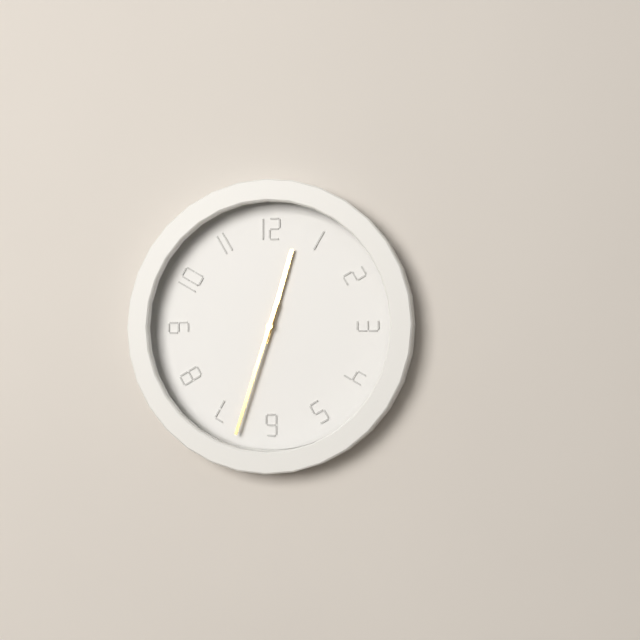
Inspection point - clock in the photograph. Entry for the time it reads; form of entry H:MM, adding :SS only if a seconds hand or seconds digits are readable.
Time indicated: 12:33
